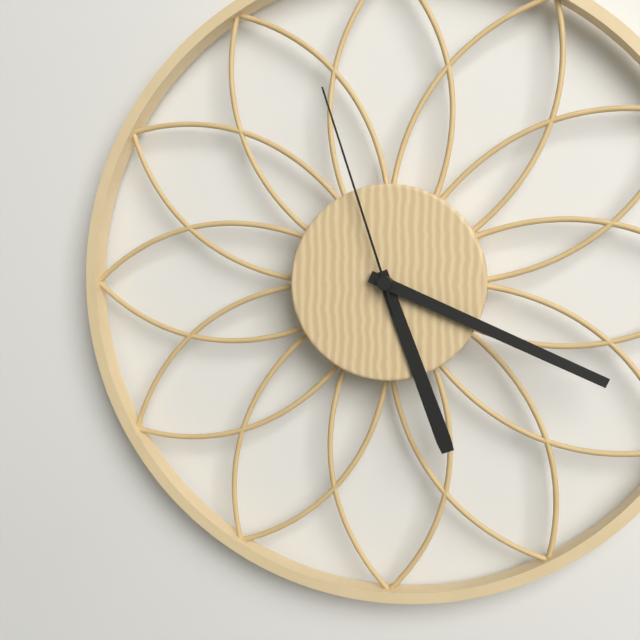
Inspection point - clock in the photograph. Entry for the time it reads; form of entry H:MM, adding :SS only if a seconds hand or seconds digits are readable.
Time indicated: 5:19:57
